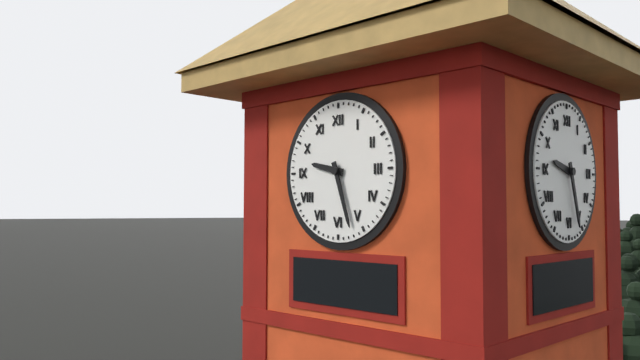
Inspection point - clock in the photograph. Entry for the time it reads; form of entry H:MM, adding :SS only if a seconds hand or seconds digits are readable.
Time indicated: 9:27
